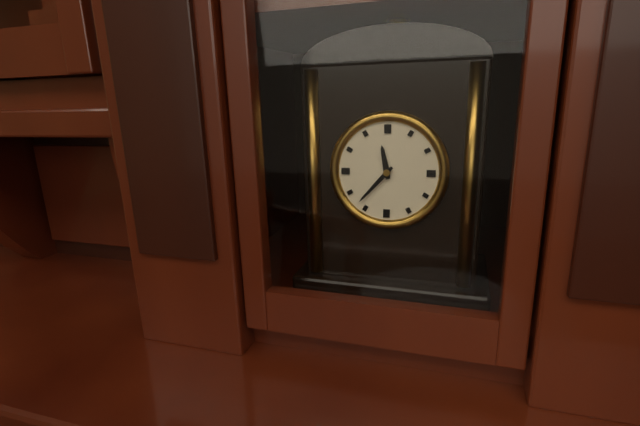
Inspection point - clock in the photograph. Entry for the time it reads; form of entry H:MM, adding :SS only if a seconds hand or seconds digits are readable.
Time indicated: 11:37
